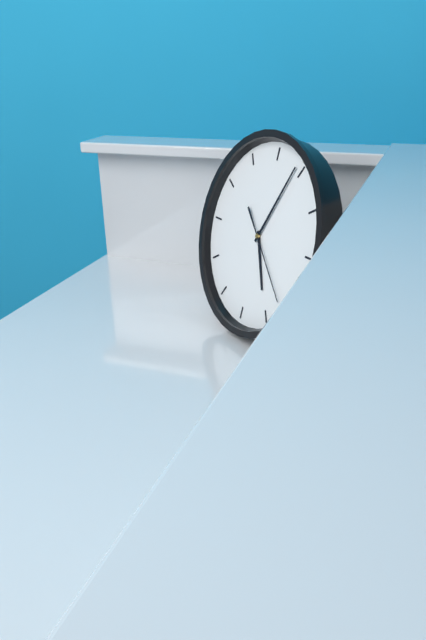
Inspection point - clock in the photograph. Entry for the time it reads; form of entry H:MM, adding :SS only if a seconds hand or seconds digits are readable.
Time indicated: 5:04:22
